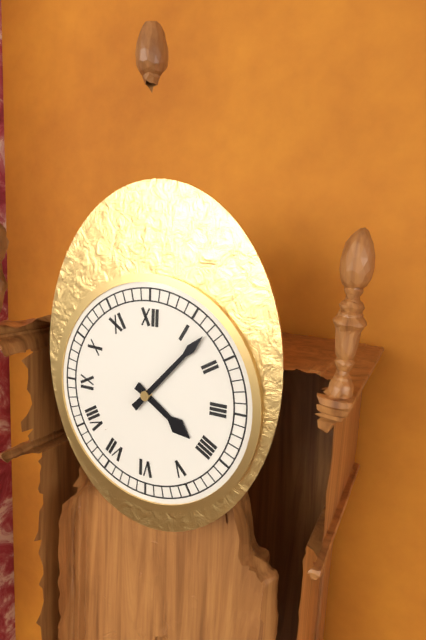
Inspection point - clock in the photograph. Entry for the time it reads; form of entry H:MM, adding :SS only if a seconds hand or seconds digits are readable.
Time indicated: 4:07
